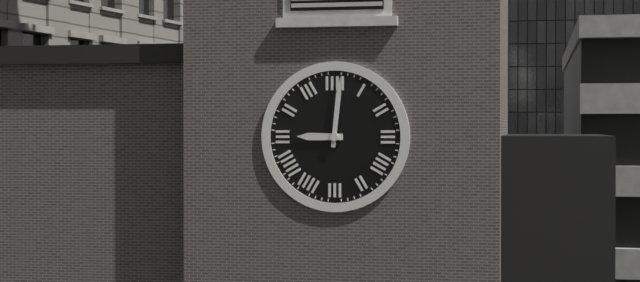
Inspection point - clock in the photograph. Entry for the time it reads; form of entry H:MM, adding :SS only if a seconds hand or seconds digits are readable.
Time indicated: 9:01
